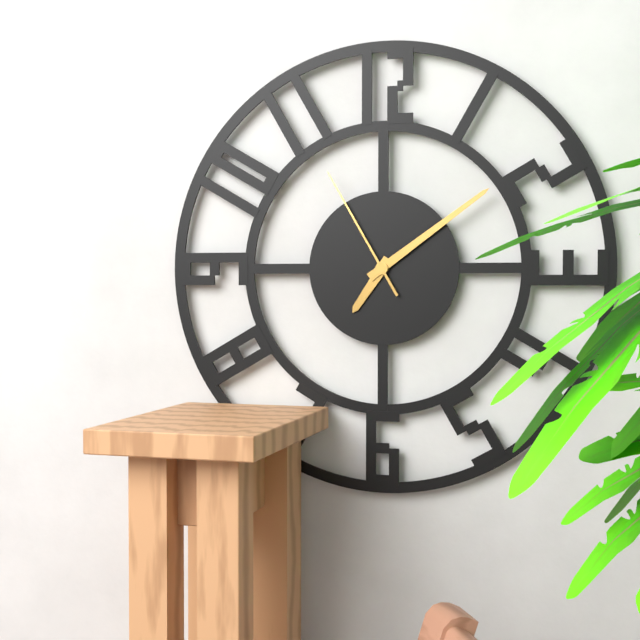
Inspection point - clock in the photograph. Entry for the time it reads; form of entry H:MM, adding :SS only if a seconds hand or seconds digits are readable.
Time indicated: 7:09:55
